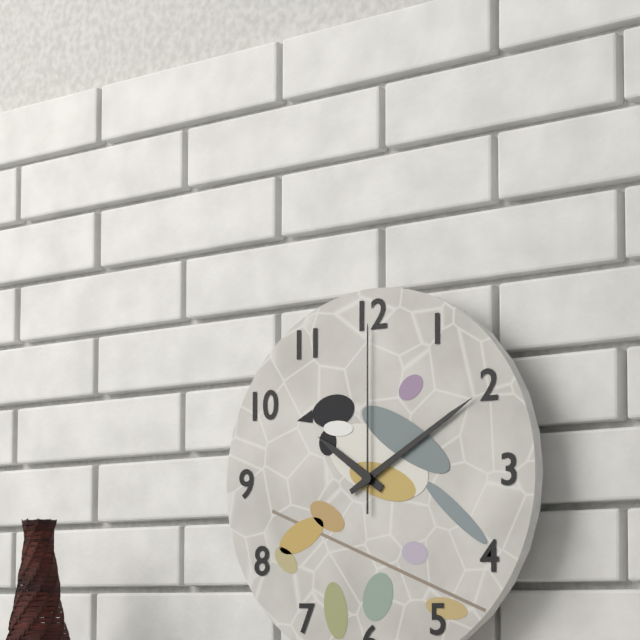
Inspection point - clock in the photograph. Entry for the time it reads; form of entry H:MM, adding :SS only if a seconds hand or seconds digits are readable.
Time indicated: 10:10:00
